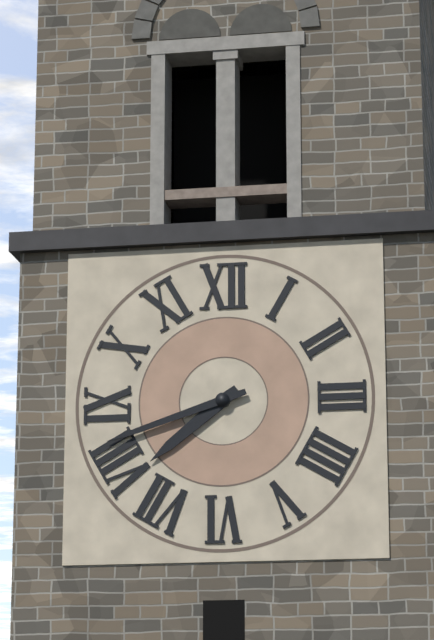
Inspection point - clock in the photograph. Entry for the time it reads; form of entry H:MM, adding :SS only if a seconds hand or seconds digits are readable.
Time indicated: 7:42
